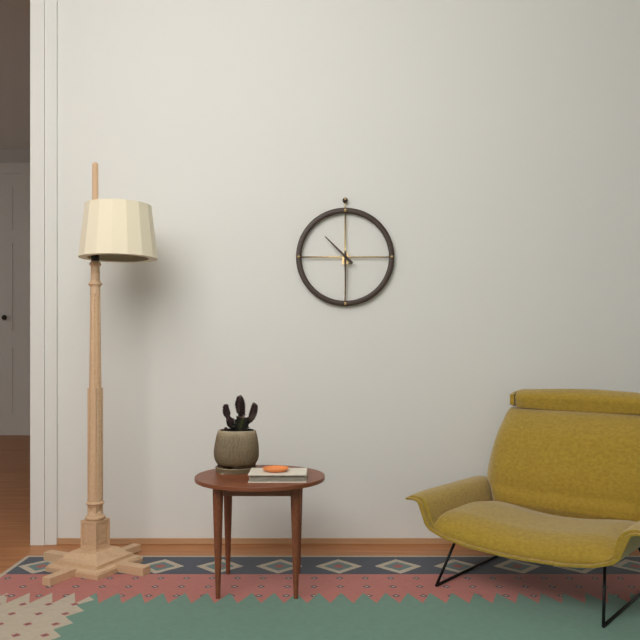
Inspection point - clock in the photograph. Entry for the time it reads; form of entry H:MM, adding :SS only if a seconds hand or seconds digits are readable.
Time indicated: 10:30
